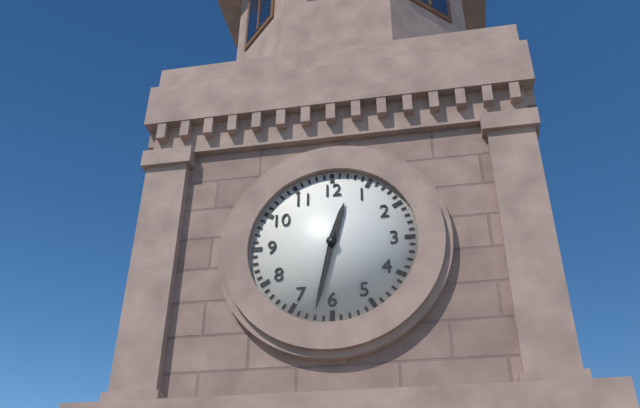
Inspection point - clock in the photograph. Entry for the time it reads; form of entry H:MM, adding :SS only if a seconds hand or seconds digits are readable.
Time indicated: 12:32
